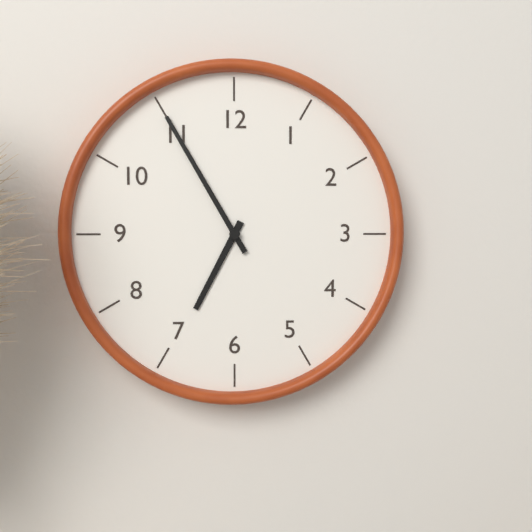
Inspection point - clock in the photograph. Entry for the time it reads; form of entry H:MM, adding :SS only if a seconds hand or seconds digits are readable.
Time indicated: 6:55
